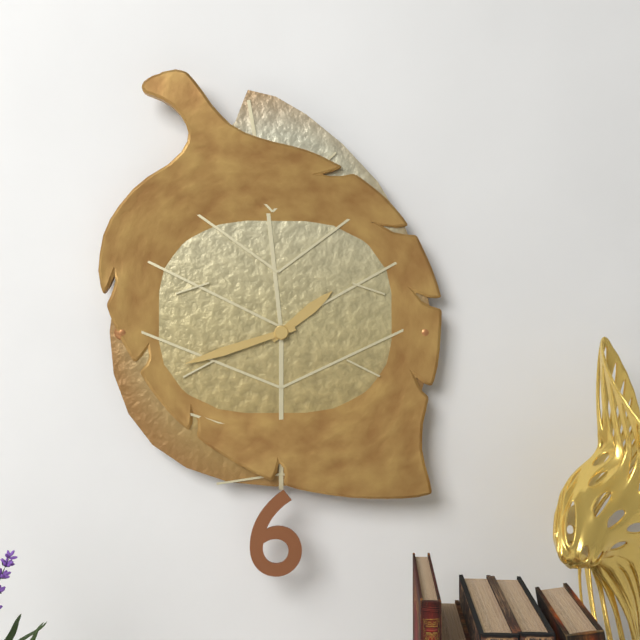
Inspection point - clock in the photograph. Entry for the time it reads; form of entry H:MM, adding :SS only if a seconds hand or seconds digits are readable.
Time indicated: 1:42
